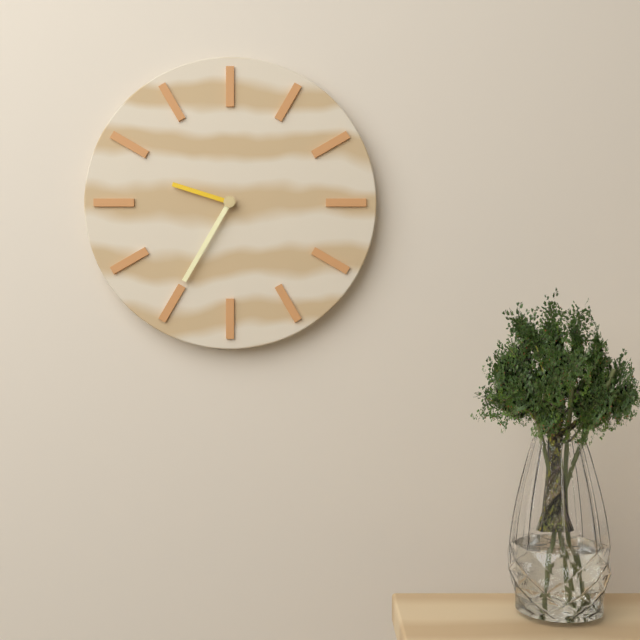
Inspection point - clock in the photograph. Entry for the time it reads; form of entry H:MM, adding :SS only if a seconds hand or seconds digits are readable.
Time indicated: 9:35
